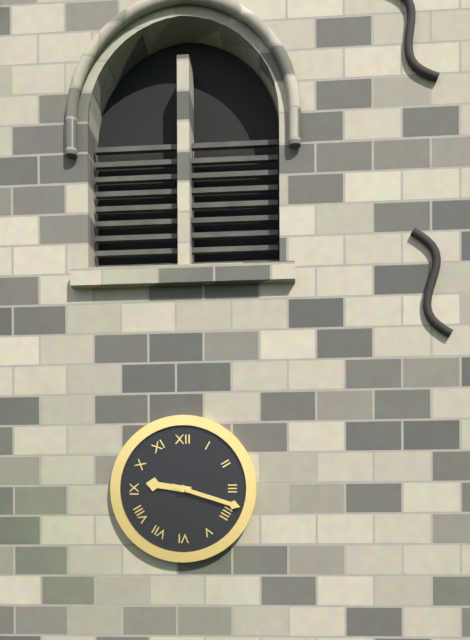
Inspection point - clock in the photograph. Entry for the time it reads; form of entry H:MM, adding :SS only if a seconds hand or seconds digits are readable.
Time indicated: 9:18
